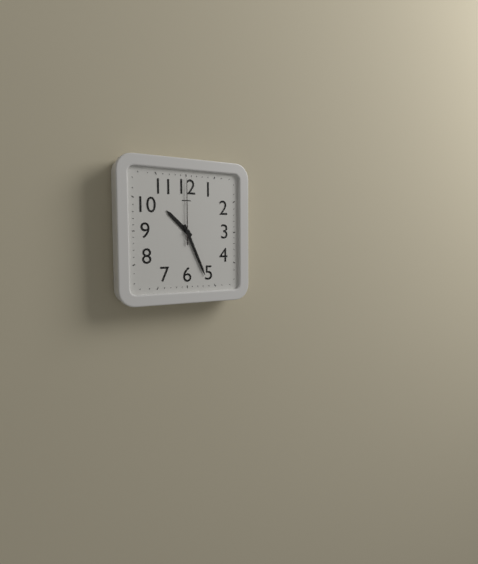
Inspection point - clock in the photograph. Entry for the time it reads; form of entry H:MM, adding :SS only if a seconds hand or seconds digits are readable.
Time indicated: 10:26:00
